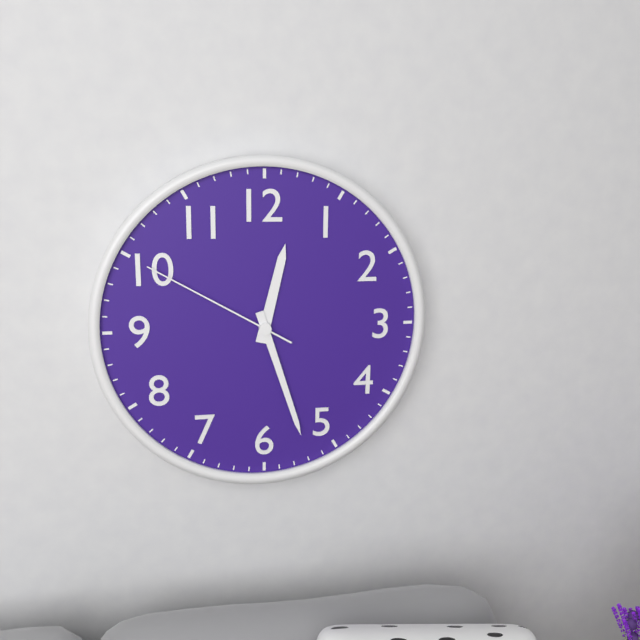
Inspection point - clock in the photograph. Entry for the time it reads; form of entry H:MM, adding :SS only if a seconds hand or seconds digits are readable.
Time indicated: 12:27:50
